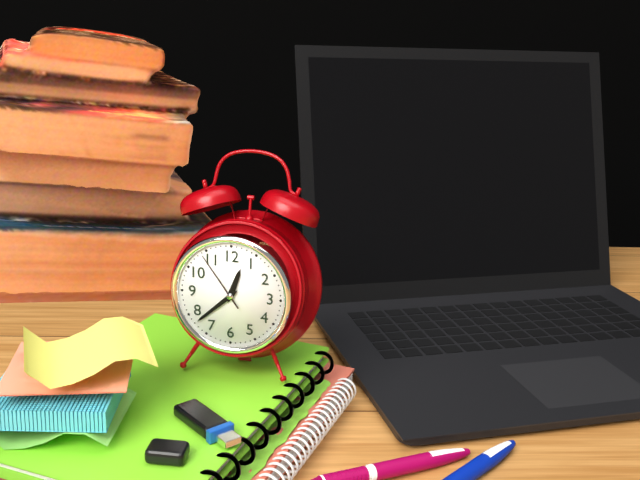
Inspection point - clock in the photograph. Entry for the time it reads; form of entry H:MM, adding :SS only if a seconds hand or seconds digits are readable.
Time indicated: 12:38:54
